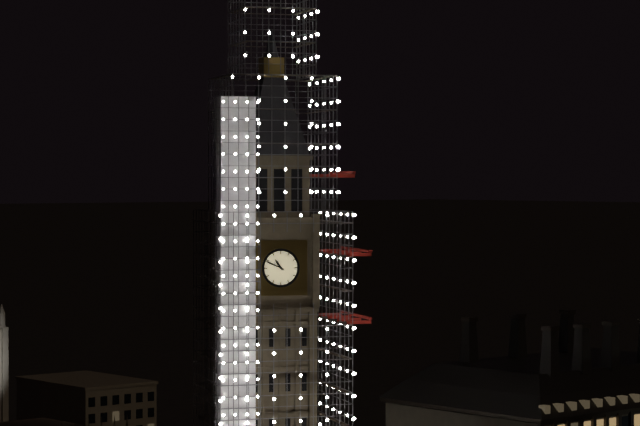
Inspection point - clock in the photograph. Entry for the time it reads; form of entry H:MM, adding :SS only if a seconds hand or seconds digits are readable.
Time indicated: 10:49
